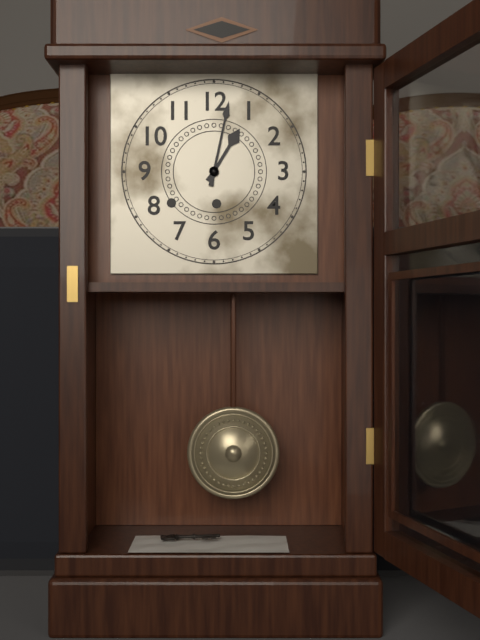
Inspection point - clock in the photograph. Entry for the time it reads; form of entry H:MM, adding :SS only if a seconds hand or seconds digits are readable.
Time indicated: 1:02
